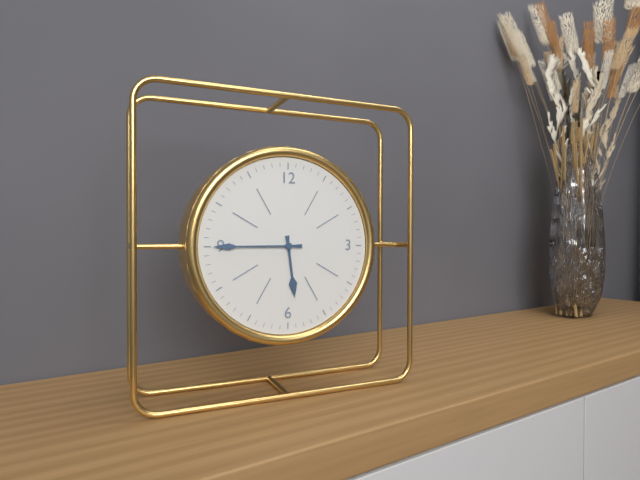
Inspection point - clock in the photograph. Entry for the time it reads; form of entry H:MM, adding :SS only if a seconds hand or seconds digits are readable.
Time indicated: 5:45
